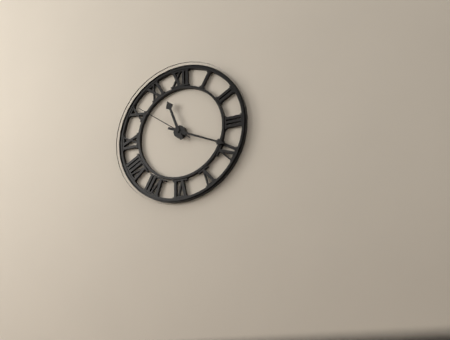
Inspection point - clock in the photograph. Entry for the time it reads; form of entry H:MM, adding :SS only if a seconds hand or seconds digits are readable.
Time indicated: 11:19:51
